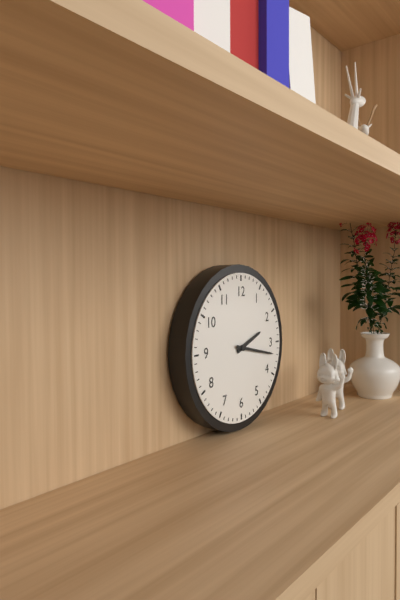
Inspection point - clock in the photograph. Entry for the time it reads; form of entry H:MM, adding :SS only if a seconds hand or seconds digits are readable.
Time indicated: 2:17
